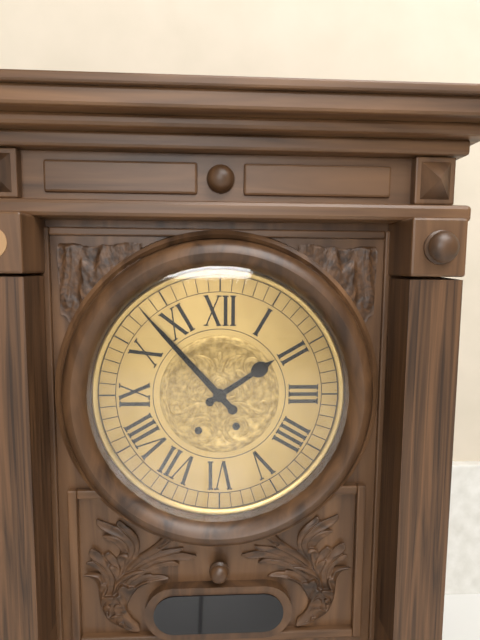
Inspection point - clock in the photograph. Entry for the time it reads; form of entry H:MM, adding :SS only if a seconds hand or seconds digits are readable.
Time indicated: 1:53
